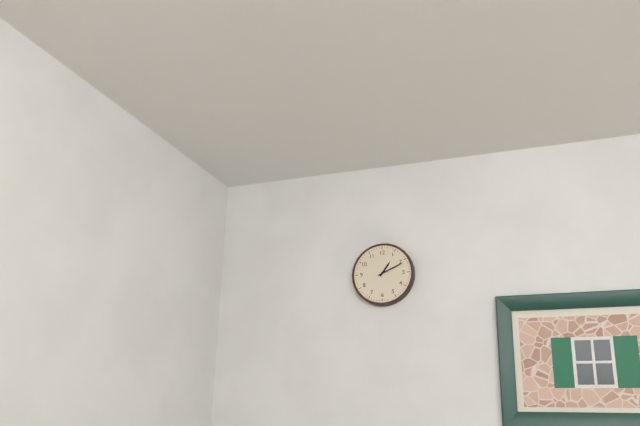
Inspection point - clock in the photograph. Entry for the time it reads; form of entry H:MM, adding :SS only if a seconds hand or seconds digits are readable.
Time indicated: 1:11
